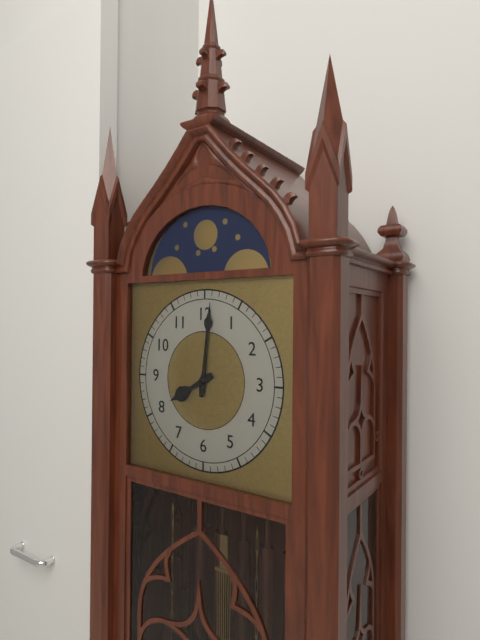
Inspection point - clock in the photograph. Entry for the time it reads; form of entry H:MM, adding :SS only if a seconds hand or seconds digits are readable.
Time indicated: 8:01
